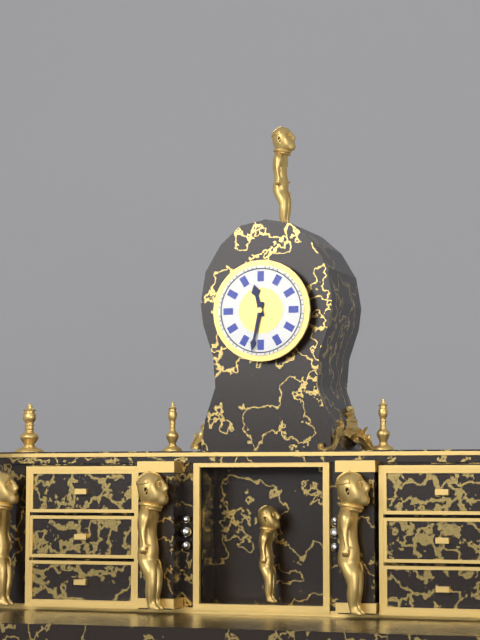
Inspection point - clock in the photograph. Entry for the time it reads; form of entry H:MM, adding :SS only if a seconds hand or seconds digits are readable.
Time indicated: 11:32
